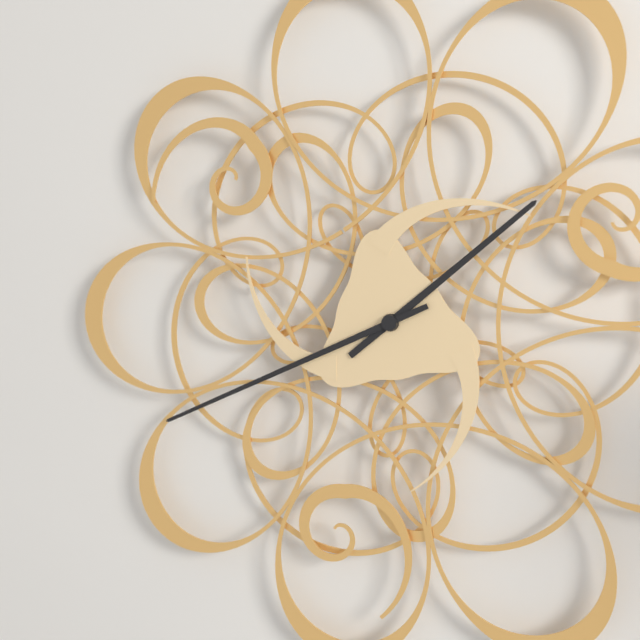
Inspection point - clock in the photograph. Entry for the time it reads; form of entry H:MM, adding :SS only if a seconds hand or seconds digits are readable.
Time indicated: 1:41
